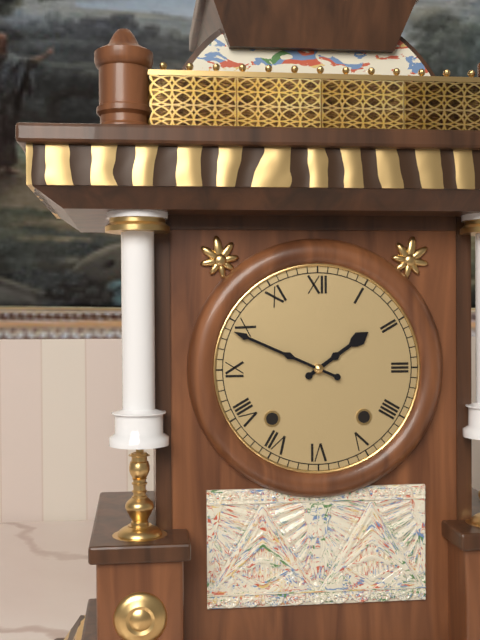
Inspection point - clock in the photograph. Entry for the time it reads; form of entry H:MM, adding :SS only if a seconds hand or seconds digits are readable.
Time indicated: 1:49
